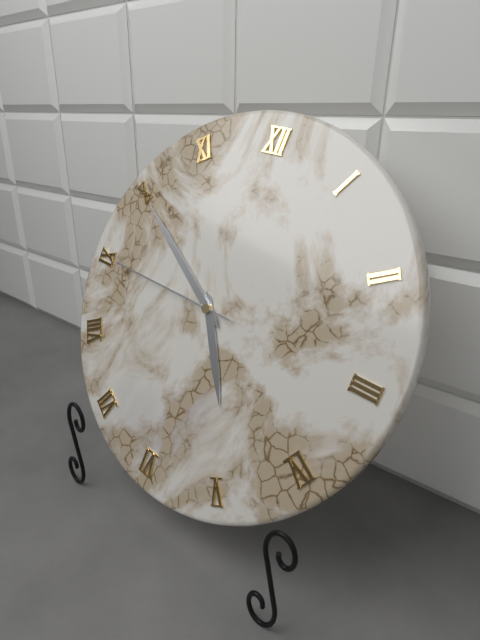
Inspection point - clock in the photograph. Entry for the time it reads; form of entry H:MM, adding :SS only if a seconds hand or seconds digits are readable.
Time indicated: 4:50:45
